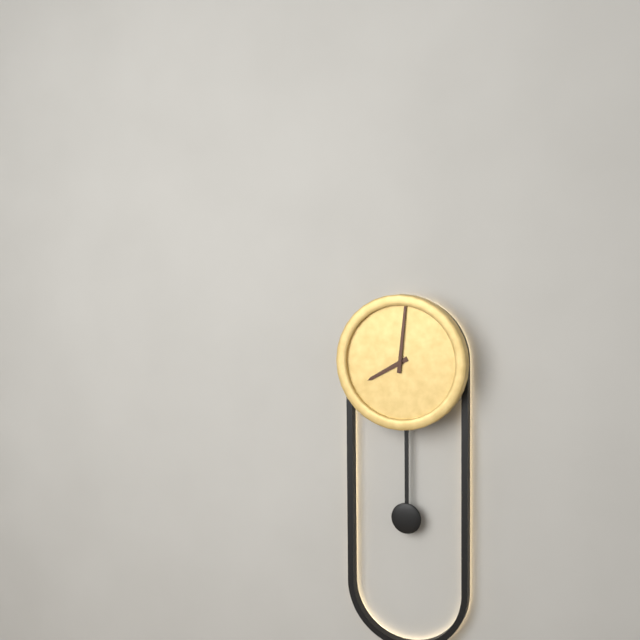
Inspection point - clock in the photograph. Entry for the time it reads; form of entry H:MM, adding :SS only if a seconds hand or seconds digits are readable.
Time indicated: 8:01
